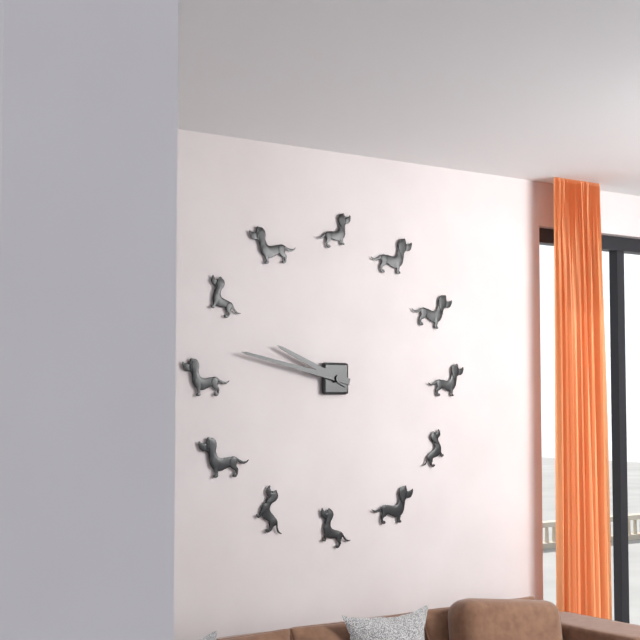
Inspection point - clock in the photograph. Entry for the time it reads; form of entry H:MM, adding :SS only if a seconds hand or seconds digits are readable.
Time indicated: 9:47
